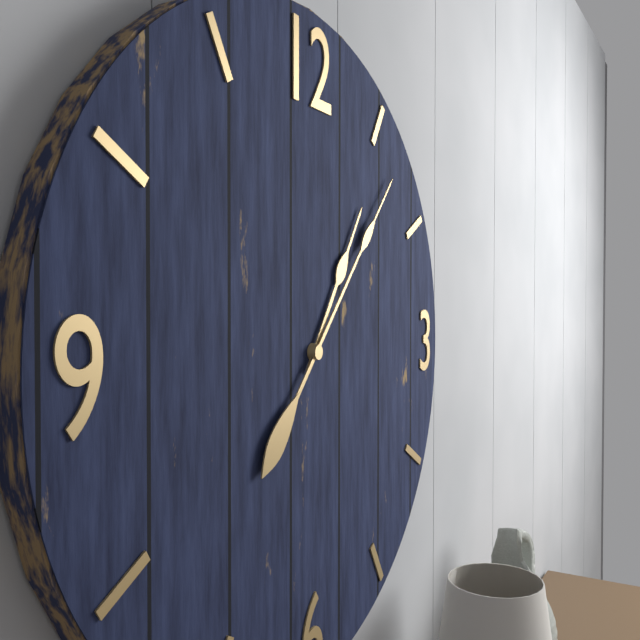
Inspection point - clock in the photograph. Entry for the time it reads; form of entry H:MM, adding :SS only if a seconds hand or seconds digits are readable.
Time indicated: 1:07
